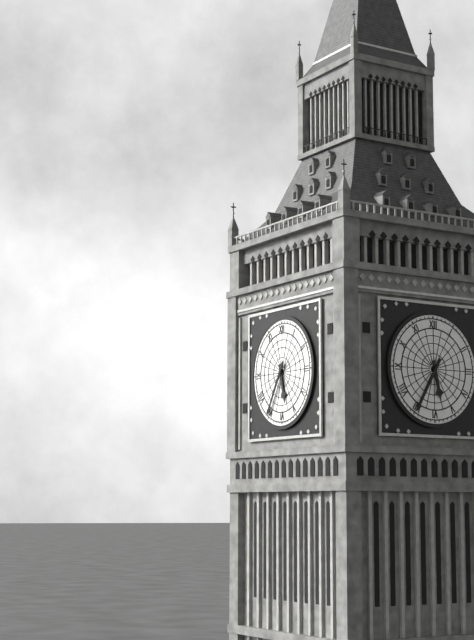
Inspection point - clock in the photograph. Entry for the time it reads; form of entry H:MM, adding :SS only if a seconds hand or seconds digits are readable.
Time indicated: 5:35
